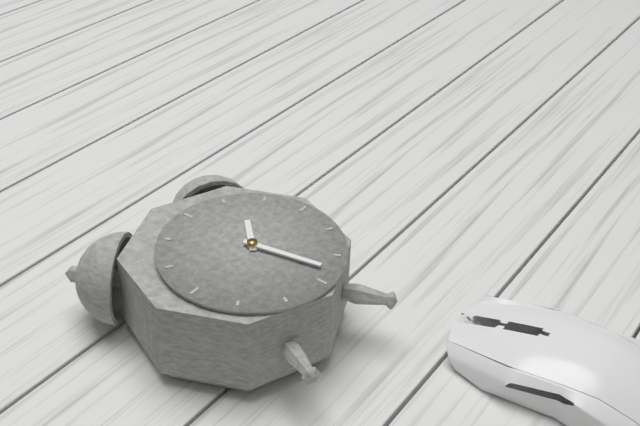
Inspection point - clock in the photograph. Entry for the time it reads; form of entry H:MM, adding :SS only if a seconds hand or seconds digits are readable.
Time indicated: 1:28
